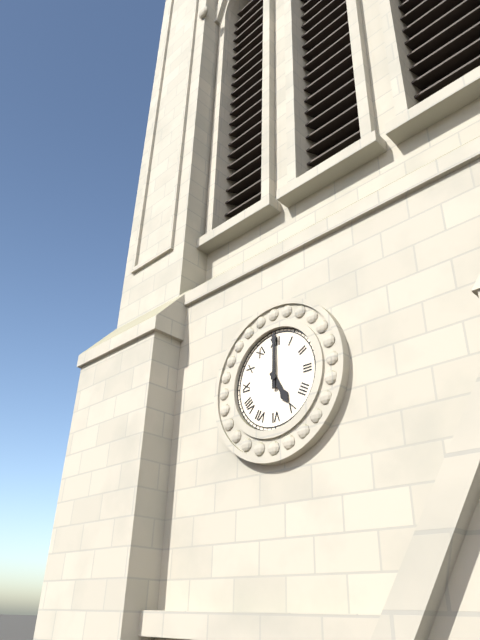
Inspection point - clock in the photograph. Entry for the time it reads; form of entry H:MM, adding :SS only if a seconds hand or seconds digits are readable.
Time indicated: 5:00
